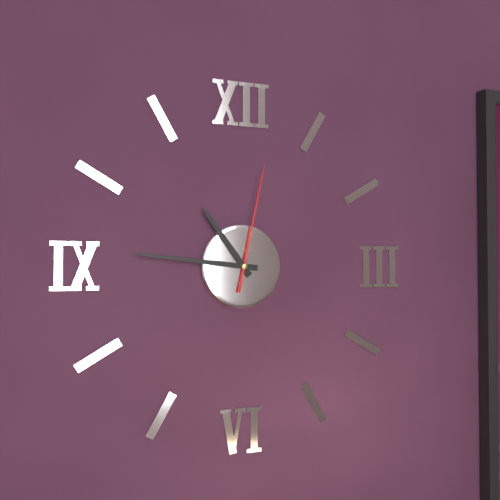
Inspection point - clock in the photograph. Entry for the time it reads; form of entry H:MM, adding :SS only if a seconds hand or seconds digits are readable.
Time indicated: 10:46:02
